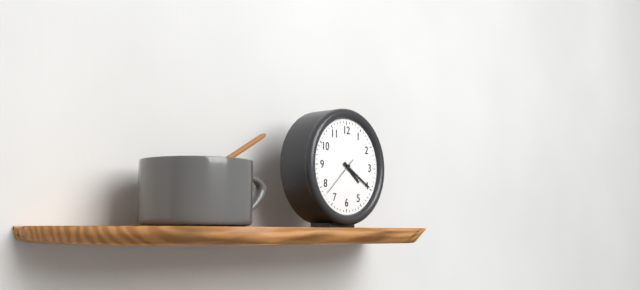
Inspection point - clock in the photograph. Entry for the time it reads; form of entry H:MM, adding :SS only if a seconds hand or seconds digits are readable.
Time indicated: 4:20
